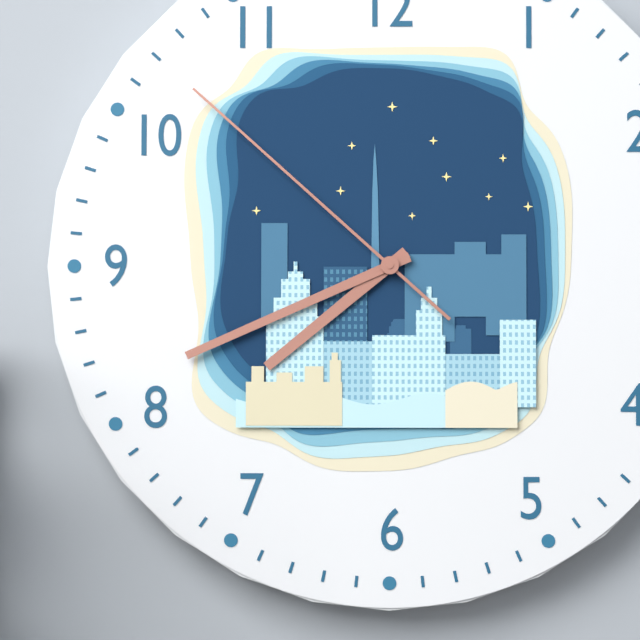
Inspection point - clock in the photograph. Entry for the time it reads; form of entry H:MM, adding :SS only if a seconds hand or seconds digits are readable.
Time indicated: 7:41:52
